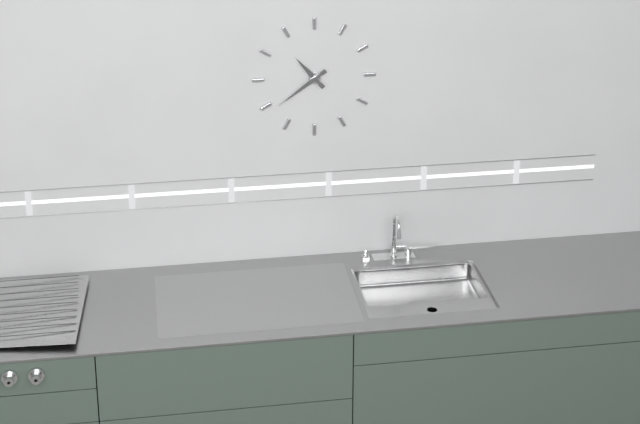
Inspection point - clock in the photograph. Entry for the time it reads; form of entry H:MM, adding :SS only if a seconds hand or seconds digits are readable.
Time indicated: 10:39
